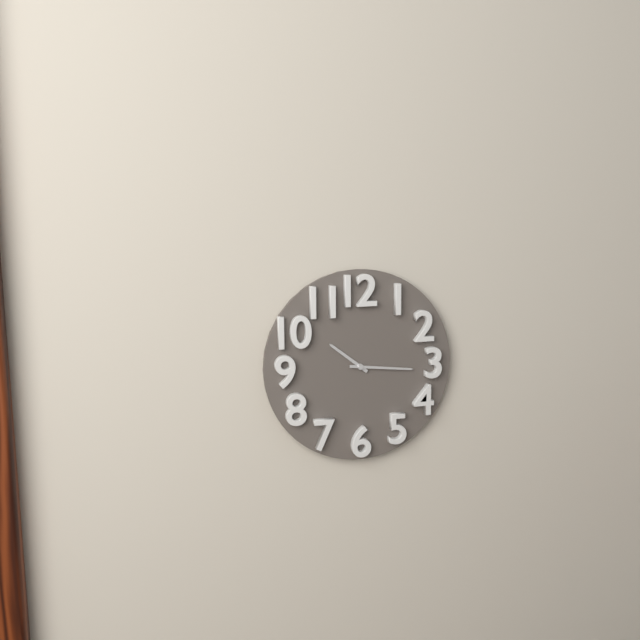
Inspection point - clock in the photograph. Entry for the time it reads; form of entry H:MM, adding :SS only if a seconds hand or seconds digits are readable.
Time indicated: 10:16
